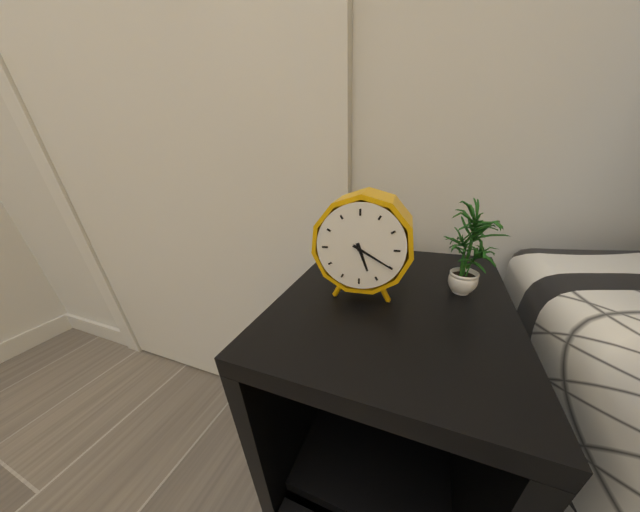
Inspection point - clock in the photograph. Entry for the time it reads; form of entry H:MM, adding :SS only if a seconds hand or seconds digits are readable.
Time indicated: 5:20
